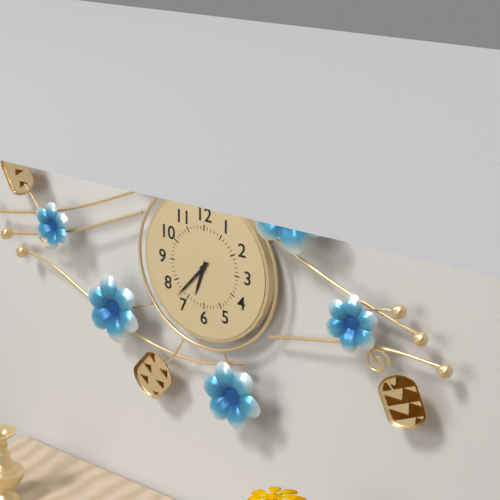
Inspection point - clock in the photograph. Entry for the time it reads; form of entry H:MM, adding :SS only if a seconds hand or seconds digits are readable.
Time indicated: 6:37
